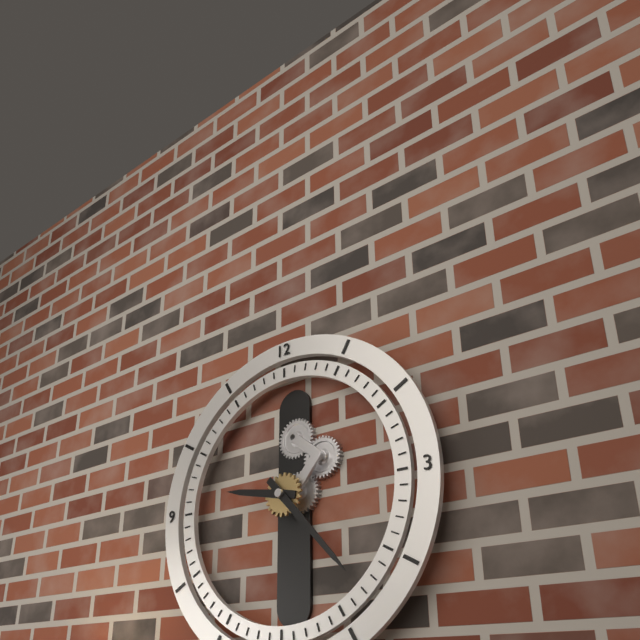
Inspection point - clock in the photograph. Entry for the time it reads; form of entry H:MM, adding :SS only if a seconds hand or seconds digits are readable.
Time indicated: 9:23
